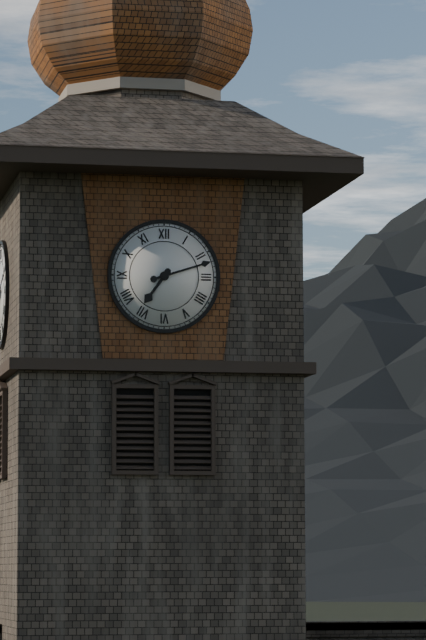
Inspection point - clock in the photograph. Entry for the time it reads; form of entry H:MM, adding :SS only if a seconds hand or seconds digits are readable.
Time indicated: 7:12
